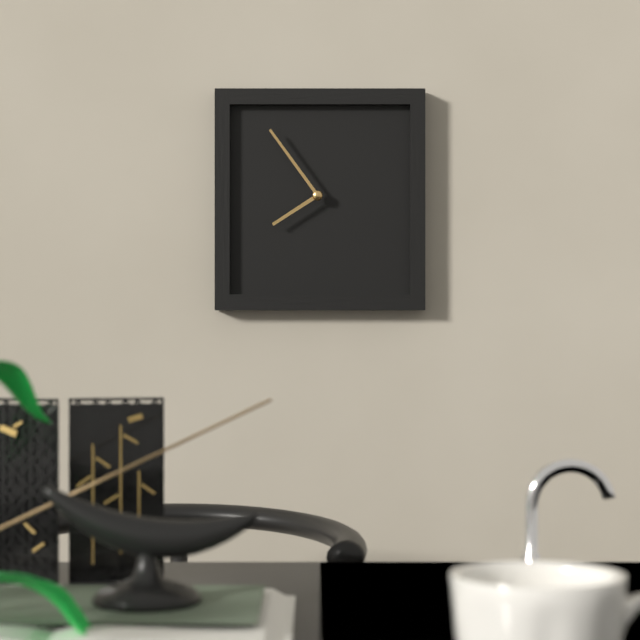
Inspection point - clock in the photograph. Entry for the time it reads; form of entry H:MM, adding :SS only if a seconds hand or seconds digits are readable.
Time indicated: 7:54
